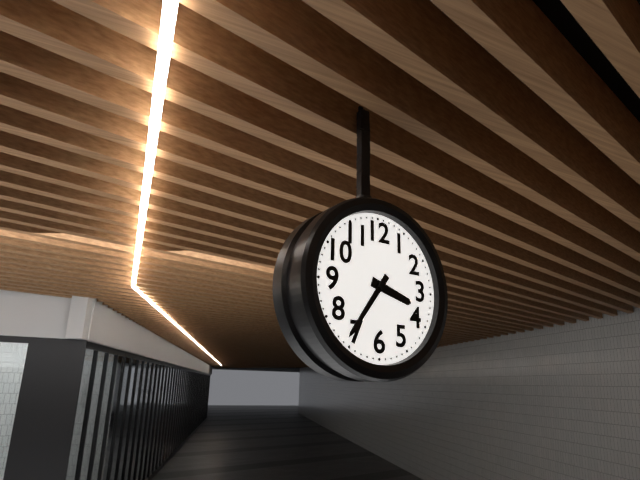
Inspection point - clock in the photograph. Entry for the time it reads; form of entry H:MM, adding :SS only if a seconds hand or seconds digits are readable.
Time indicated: 3:36
